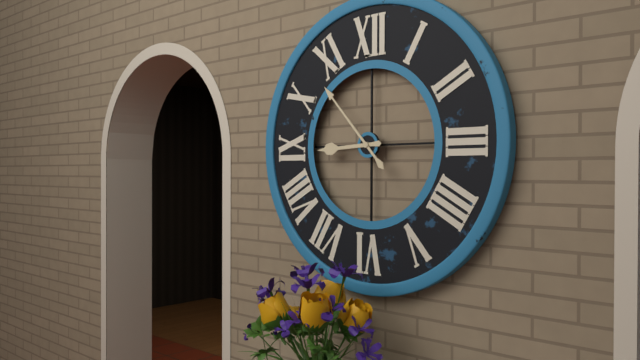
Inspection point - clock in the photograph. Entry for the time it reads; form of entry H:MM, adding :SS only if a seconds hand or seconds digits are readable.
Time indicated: 8:53
